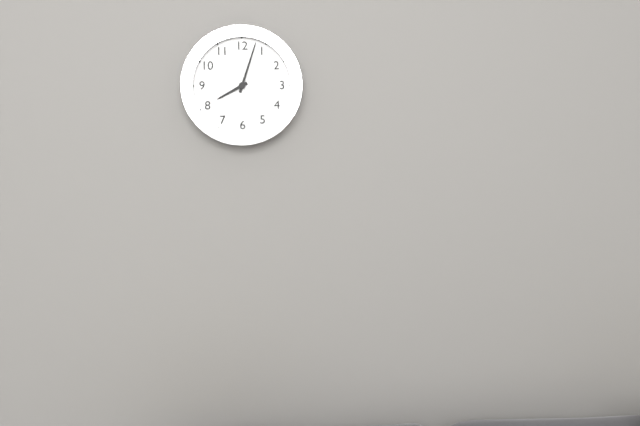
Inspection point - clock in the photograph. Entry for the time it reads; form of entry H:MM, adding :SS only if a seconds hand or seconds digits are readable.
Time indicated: 8:03
